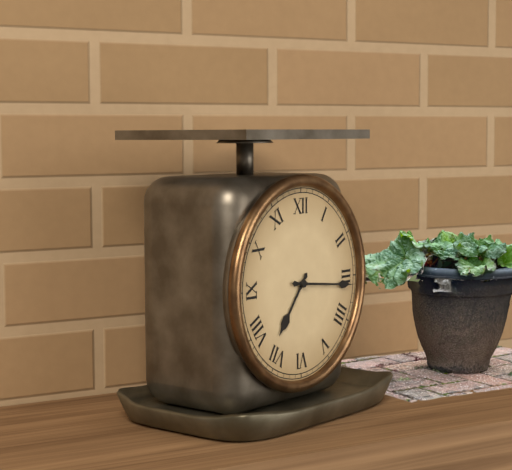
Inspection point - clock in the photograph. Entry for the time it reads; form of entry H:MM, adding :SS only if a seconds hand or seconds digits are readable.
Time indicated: 7:16
